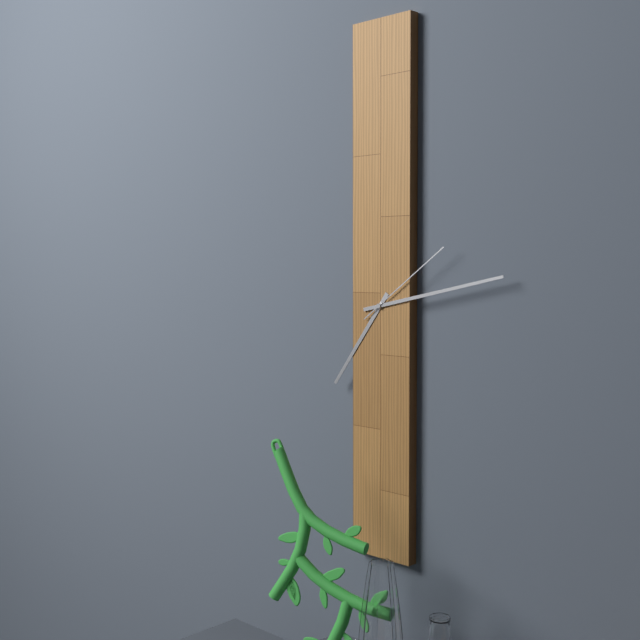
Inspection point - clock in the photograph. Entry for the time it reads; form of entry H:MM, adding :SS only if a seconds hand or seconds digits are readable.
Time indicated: 7:13:09
